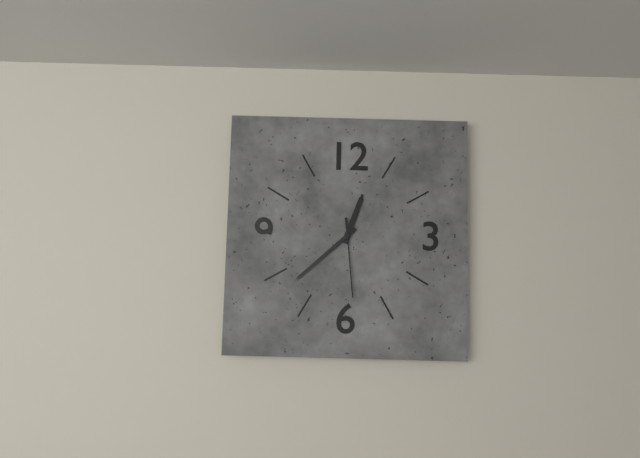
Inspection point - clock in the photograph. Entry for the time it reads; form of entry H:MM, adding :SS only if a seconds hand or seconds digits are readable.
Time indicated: 12:38:29
